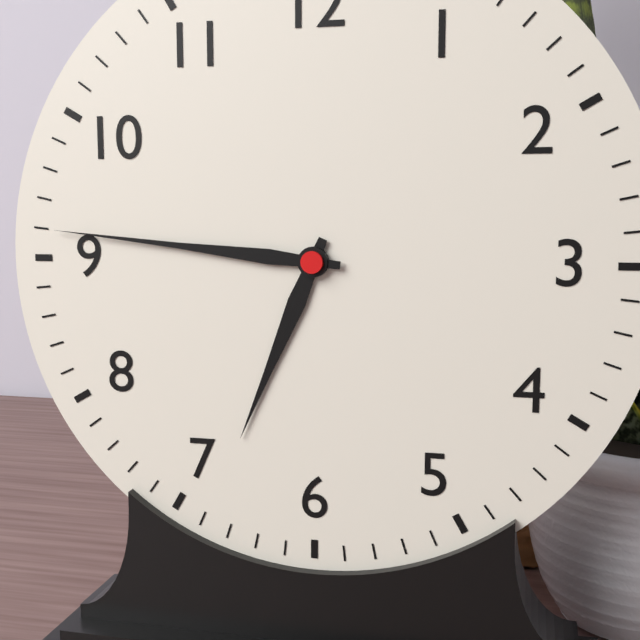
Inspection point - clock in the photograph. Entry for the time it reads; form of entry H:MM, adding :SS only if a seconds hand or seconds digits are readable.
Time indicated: 6:46
